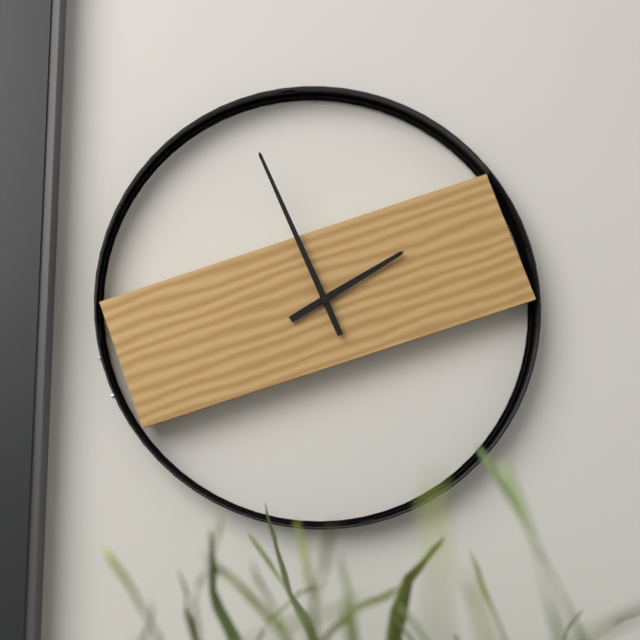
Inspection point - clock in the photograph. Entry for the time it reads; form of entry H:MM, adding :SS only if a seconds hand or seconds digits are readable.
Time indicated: 1:56
